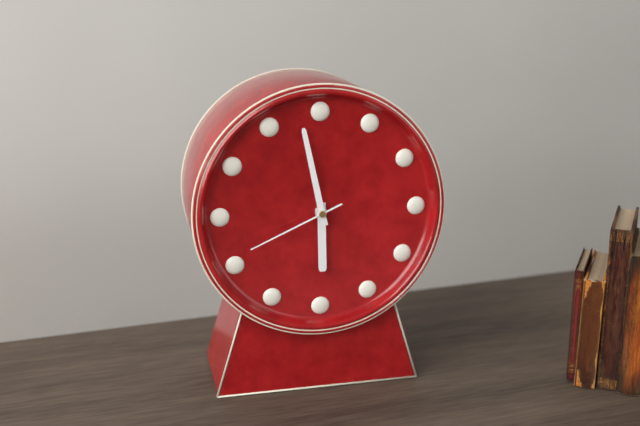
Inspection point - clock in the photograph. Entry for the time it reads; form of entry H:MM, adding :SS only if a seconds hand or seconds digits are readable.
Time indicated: 5:58:41
